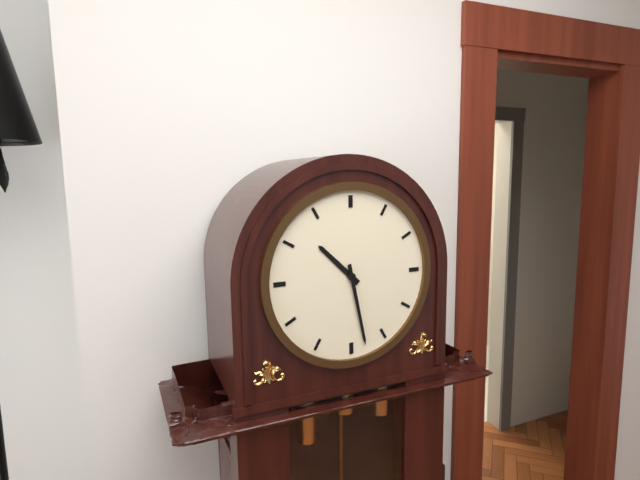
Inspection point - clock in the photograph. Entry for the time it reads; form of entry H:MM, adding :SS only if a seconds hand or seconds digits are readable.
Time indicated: 10:28
